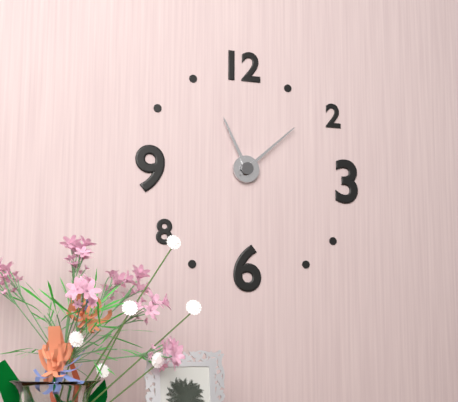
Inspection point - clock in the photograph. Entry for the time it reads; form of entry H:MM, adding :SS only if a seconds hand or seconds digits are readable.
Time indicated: 11:08
